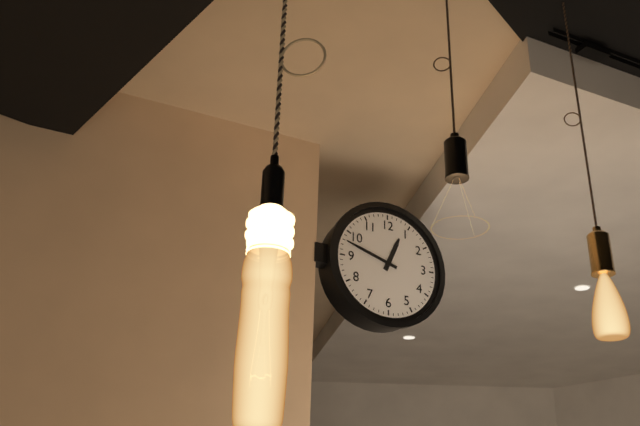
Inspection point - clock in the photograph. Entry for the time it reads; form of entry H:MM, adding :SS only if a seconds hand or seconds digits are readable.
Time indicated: 12:48
